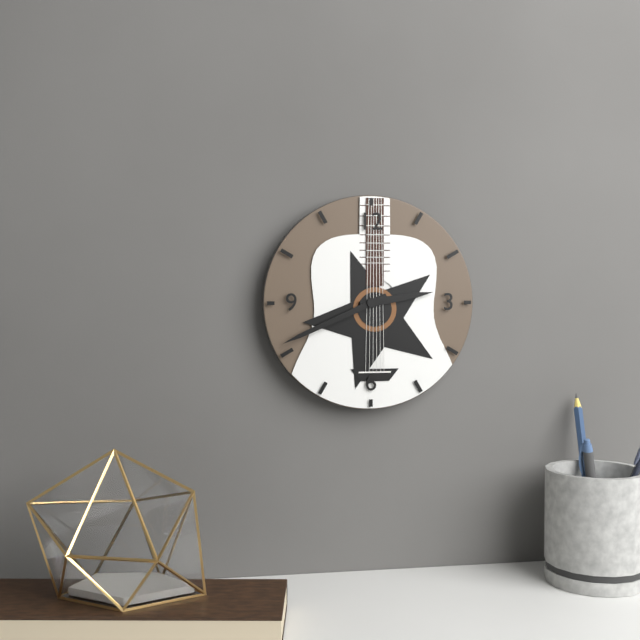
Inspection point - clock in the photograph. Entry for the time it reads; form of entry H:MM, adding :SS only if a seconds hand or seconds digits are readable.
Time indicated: 2:41
